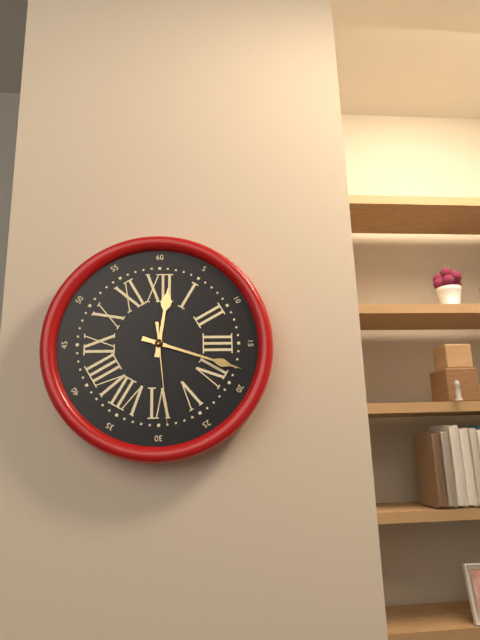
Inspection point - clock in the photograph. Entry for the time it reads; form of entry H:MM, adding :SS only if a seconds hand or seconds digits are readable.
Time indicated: 12:18:29
